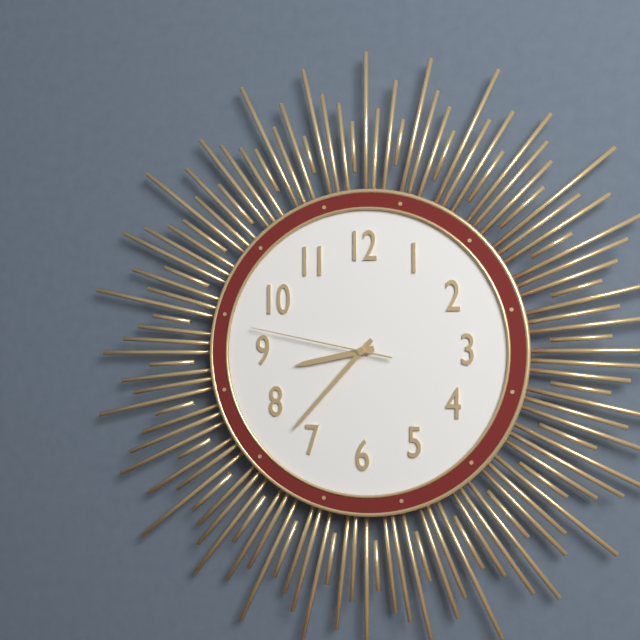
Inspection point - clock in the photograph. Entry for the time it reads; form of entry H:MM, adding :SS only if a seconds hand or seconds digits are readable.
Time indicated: 8:37:47
